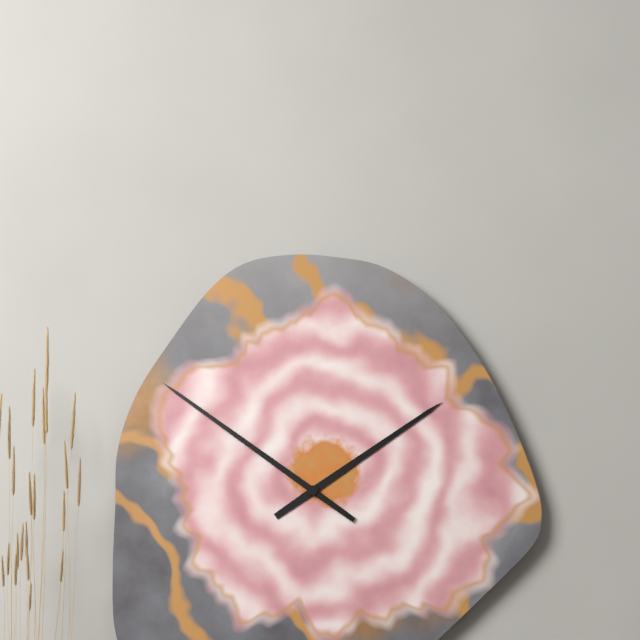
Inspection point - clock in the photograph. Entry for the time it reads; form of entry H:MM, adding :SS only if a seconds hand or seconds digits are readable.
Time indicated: 1:51
